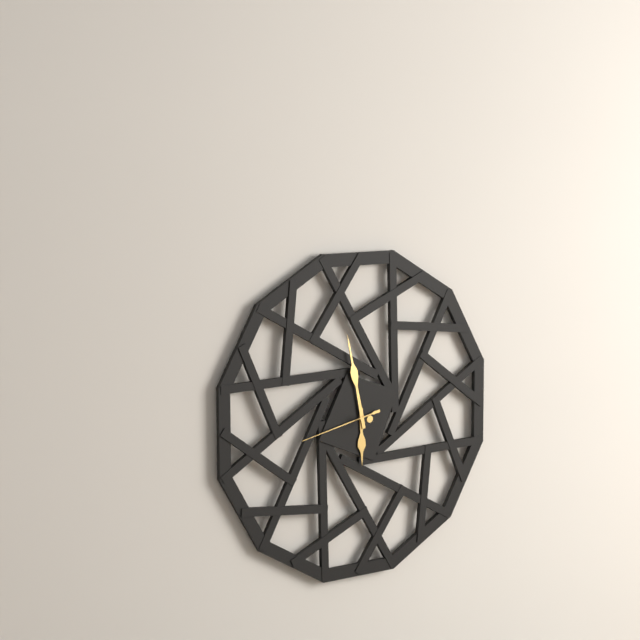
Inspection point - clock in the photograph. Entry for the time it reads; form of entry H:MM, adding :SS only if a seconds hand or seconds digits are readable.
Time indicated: 5:58:43
